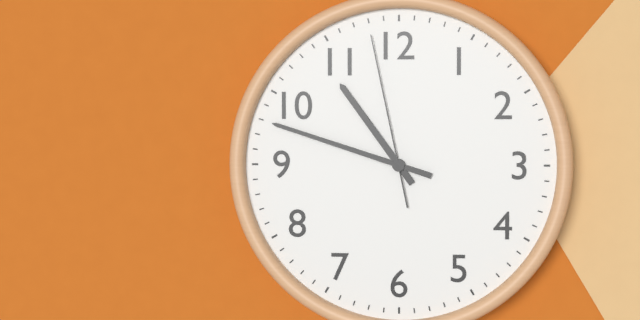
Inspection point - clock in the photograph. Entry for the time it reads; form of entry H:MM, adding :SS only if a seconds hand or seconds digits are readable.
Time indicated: 10:48:58
